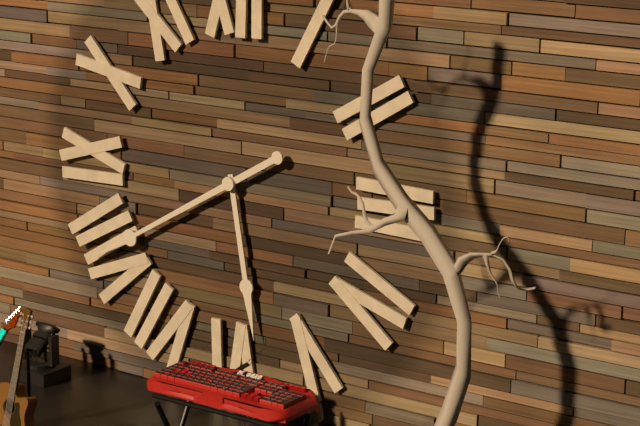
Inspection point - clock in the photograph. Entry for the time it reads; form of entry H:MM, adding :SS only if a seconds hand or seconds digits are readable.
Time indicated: 5:40
